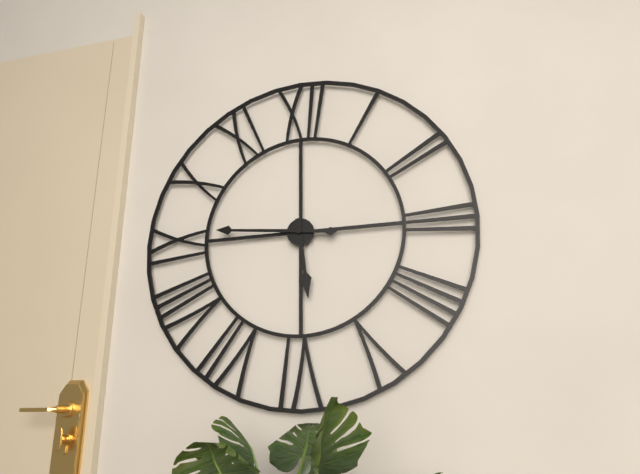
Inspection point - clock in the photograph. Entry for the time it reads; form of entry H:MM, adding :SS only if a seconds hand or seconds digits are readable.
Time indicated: 5:46
